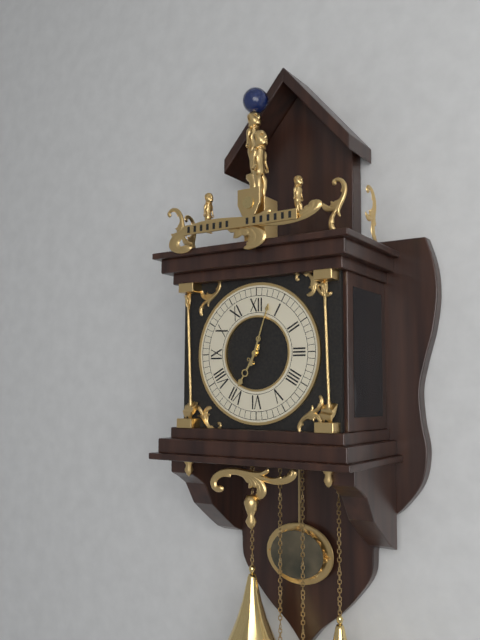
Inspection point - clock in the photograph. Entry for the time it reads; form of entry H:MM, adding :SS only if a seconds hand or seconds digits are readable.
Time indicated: 7:03
